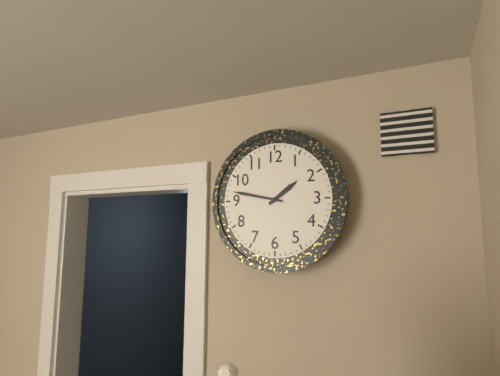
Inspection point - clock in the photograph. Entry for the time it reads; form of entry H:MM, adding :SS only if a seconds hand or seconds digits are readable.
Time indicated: 1:47
